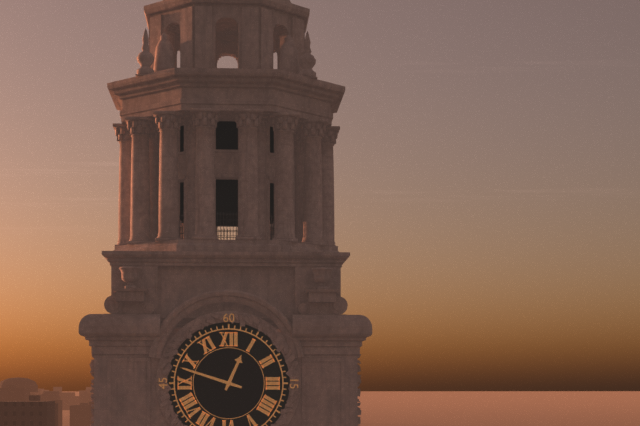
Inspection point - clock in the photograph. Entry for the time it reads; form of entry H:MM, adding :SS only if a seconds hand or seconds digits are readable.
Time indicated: 12:48
